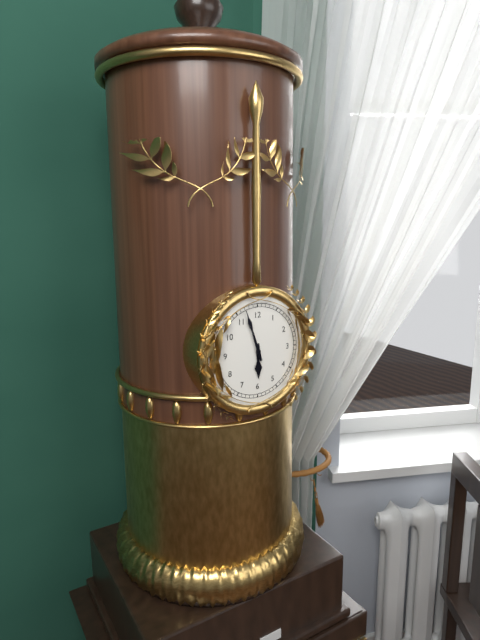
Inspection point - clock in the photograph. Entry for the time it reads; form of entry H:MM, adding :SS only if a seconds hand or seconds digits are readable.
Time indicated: 5:57
